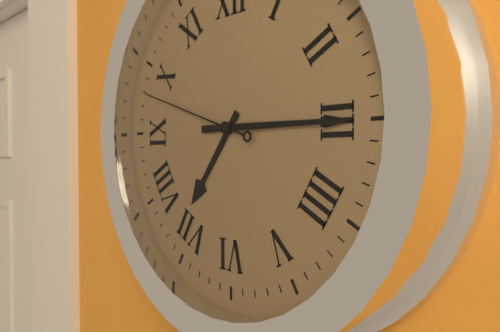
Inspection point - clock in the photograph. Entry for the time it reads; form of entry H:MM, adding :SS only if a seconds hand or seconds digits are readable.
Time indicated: 7:15:48
